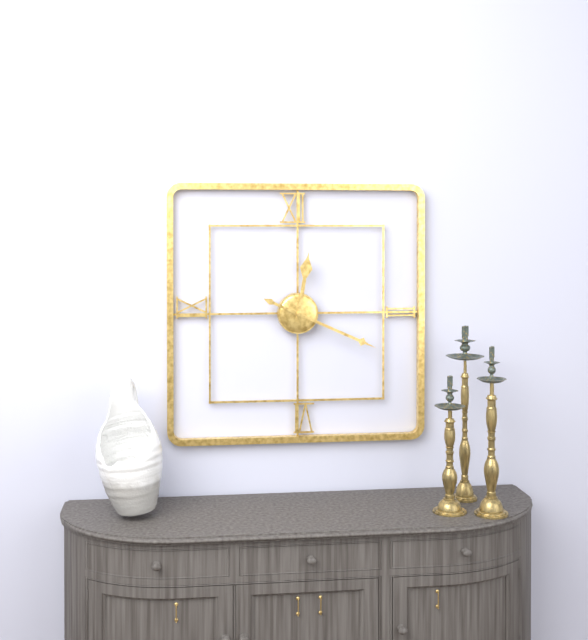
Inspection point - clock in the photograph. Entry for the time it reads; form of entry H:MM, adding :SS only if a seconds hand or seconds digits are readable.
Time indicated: 12:19
